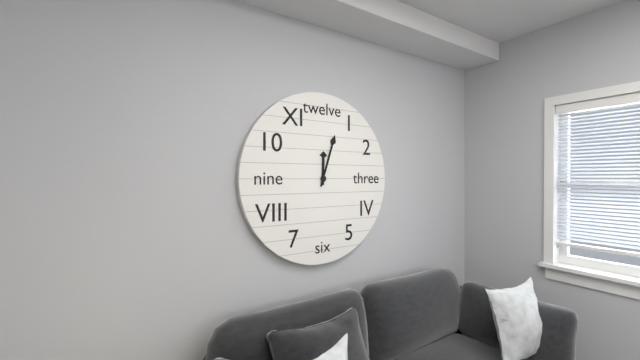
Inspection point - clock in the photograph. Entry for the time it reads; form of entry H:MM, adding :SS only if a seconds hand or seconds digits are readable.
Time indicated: 12:03
